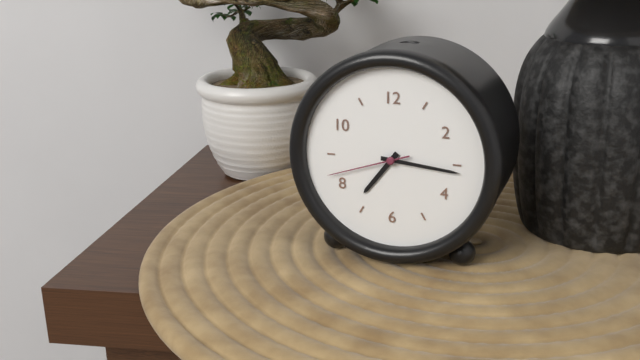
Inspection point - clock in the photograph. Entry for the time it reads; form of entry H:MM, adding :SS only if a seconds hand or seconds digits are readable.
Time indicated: 7:16:42
